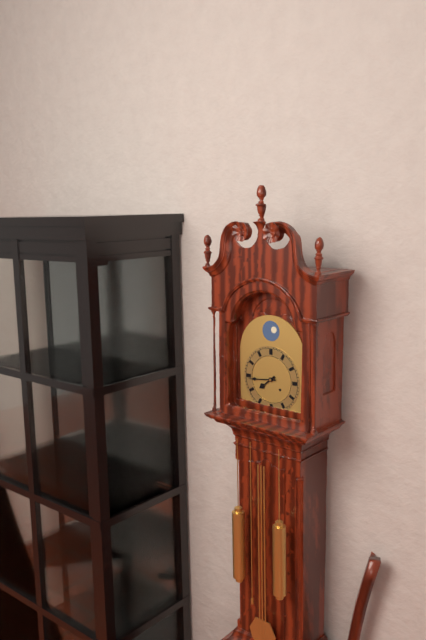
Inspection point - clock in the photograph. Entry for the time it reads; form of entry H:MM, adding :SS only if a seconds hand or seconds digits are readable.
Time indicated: 7:44
